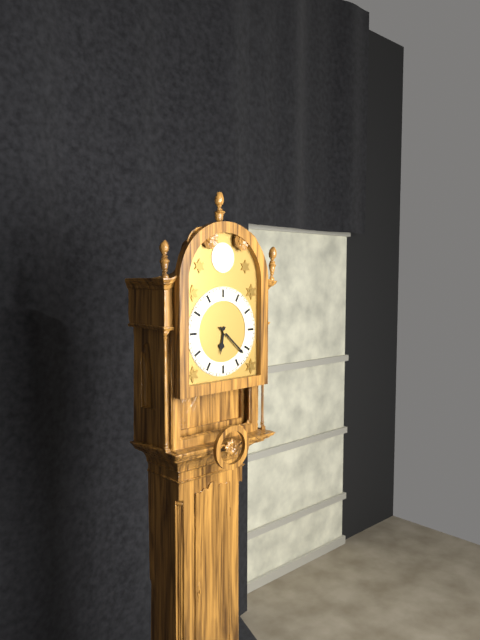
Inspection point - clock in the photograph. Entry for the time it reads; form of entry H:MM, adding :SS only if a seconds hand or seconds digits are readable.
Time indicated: 6:22
